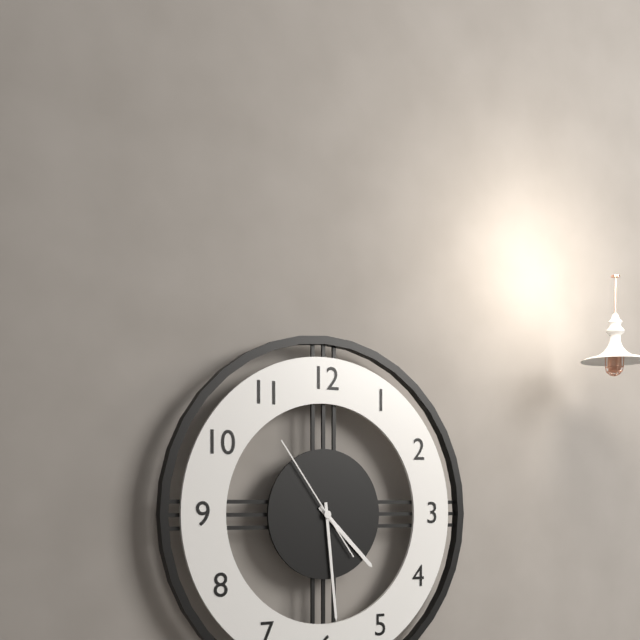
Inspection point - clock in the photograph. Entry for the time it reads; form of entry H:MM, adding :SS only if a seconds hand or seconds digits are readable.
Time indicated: 4:29:54
